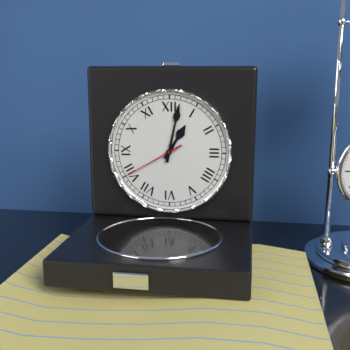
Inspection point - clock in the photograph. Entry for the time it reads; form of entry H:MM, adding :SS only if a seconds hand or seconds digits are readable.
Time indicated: 1:02:40
